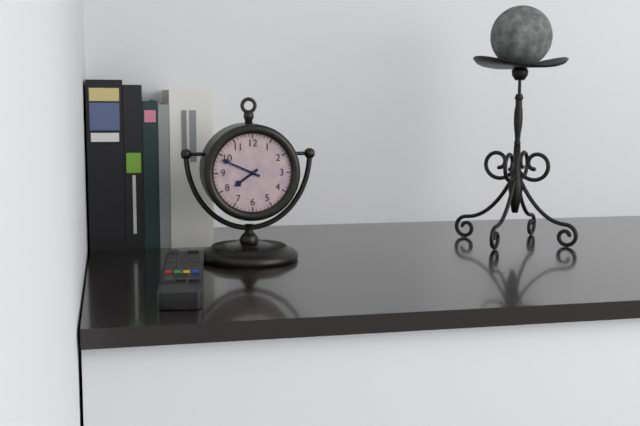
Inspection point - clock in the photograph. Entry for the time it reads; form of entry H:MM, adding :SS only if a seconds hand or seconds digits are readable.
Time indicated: 7:49
